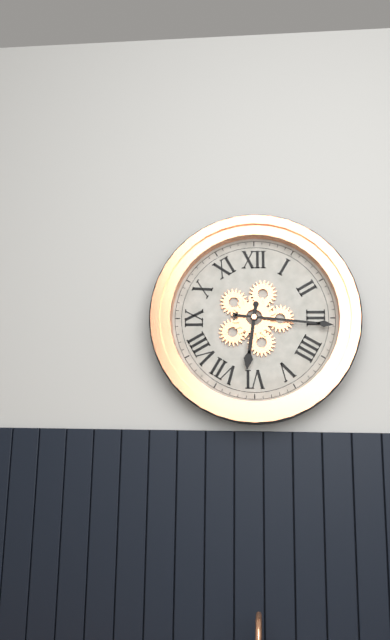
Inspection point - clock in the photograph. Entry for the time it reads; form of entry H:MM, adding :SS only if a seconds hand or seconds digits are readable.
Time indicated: 6:16
